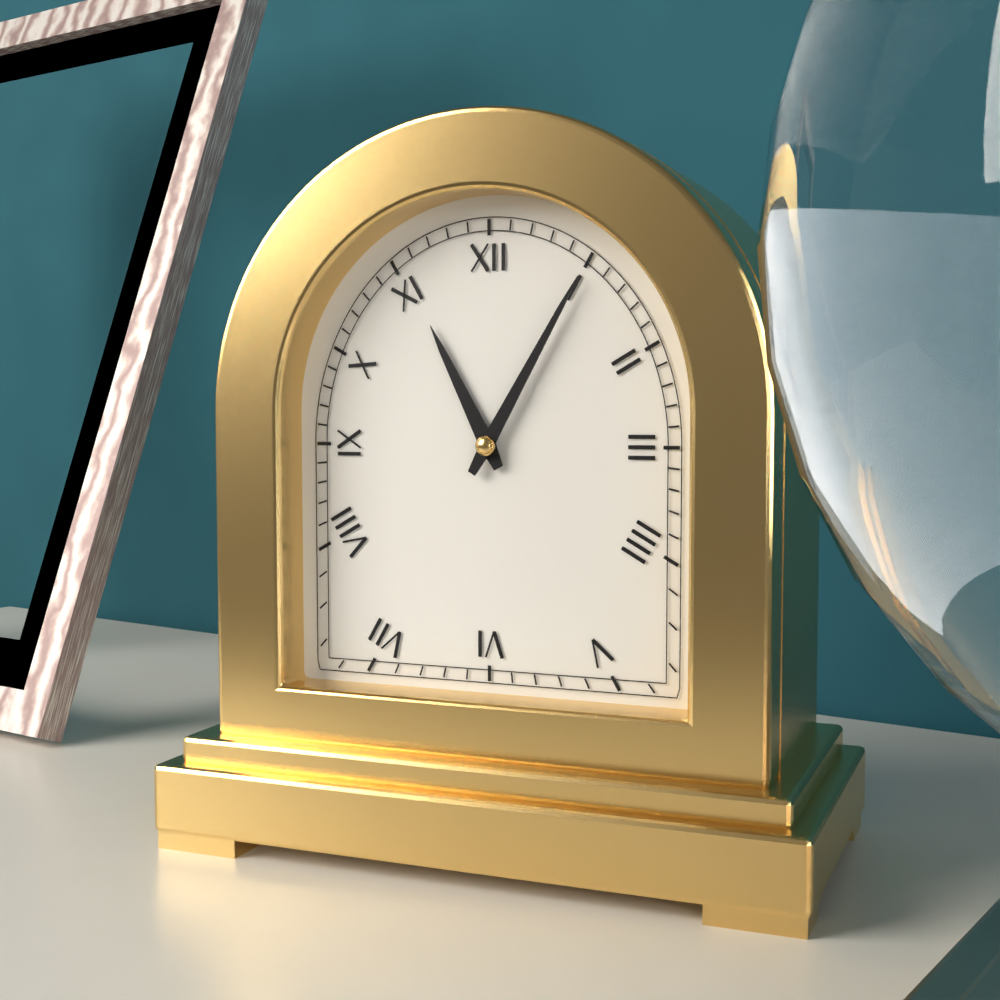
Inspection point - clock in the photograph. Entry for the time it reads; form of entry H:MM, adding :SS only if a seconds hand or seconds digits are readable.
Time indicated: 11:05
